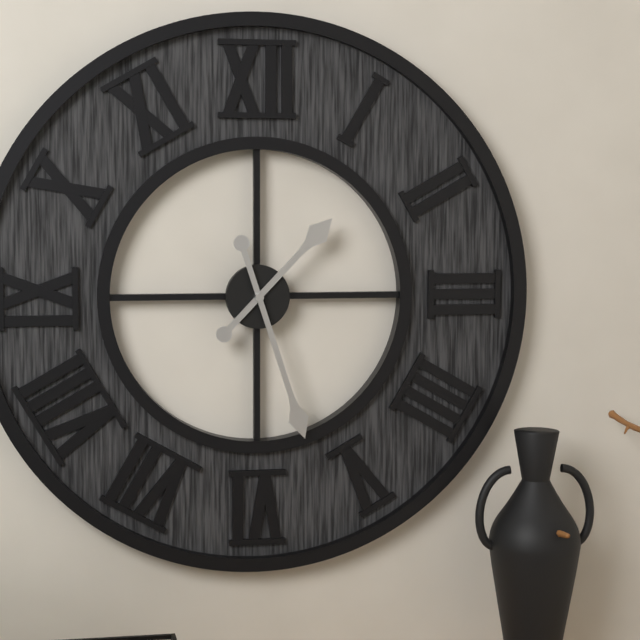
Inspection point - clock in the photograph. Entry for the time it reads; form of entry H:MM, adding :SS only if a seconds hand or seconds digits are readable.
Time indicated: 1:27
